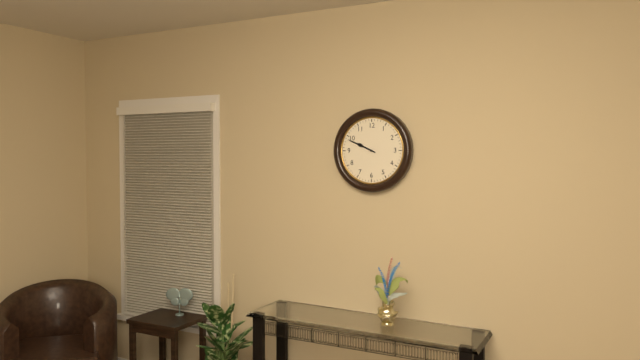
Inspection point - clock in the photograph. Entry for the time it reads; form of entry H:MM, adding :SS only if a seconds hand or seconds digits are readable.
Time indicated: 9:49
